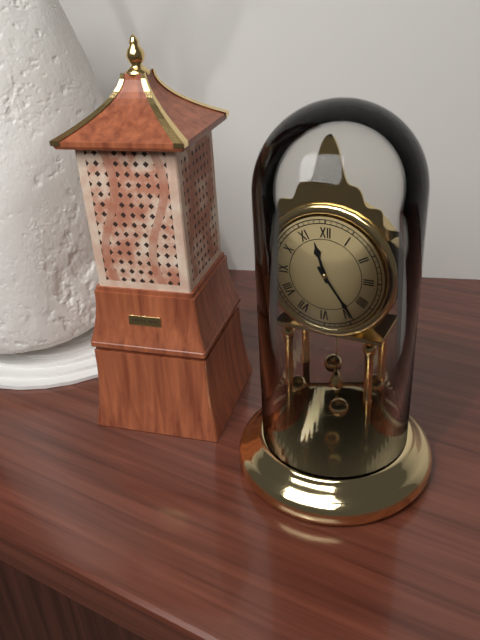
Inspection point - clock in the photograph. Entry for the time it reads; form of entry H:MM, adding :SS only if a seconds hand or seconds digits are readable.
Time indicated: 11:24
